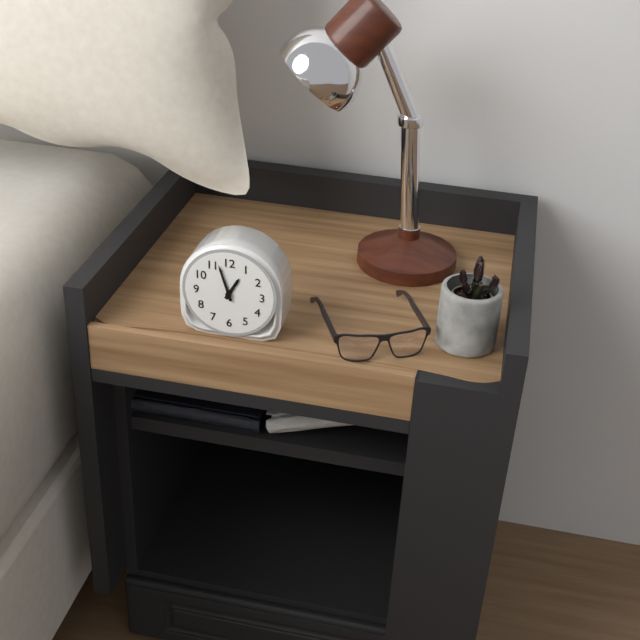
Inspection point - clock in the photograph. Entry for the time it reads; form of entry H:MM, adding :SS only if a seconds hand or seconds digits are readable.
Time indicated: 12:57
